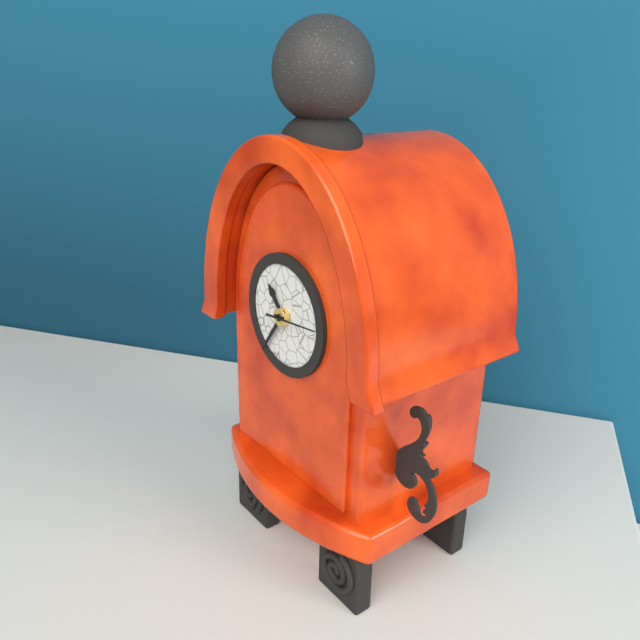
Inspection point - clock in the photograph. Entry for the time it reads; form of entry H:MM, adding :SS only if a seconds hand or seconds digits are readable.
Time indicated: 10:36
